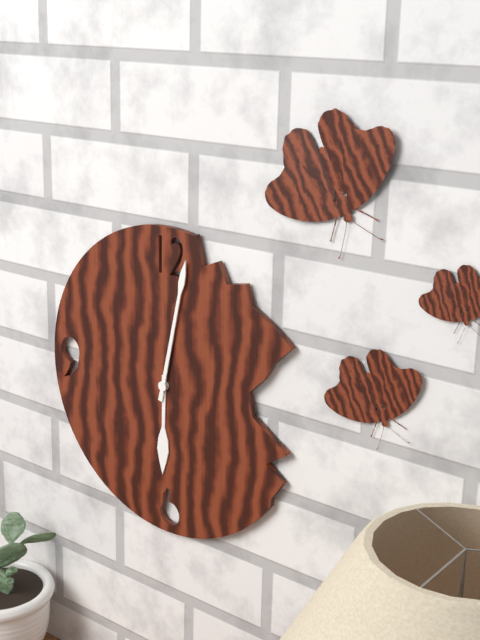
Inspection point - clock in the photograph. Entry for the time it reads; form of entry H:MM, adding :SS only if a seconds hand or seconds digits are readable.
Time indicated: 6:02
